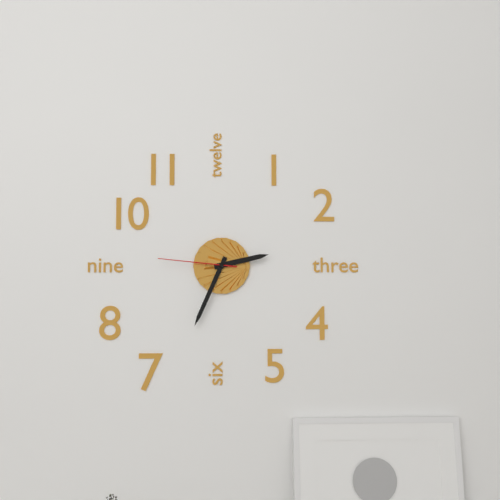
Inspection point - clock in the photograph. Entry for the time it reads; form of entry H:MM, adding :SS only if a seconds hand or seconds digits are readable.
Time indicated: 2:34:46
